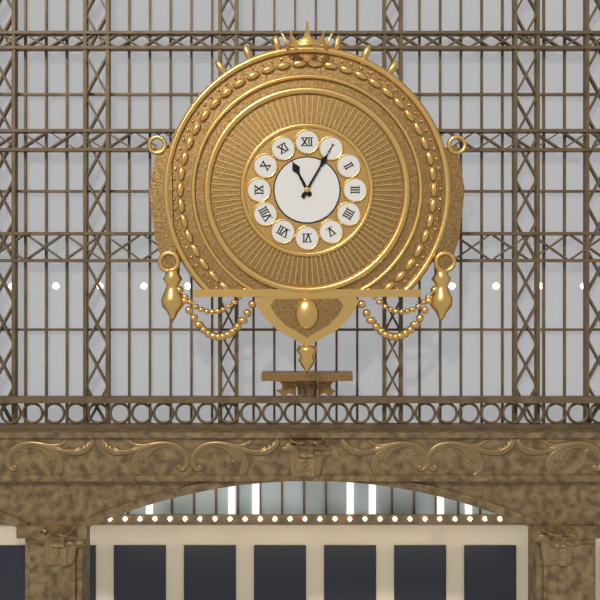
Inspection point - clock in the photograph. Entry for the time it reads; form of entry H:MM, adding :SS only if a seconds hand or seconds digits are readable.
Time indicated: 11:05
